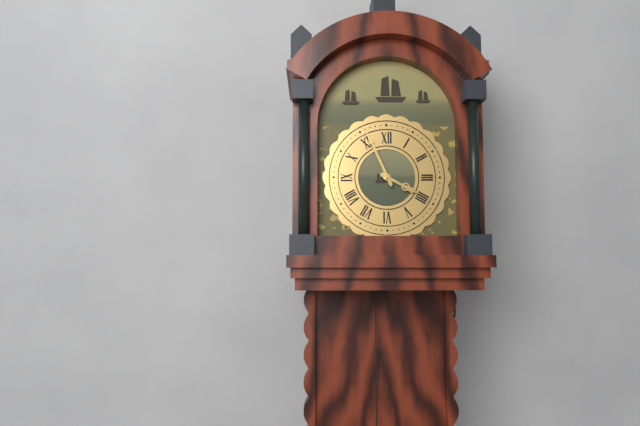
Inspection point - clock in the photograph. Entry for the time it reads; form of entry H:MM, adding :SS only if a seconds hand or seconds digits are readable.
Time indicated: 3:56
